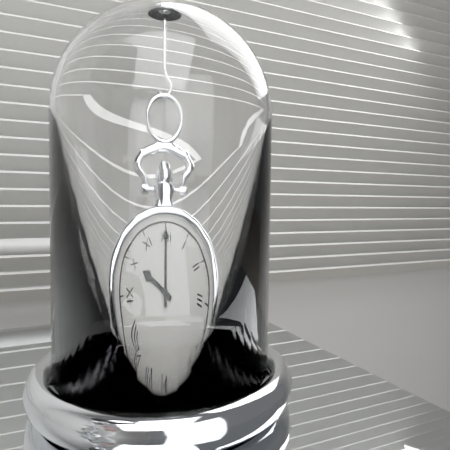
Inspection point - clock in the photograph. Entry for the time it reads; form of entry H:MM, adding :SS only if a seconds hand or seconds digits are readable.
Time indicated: 10:00
